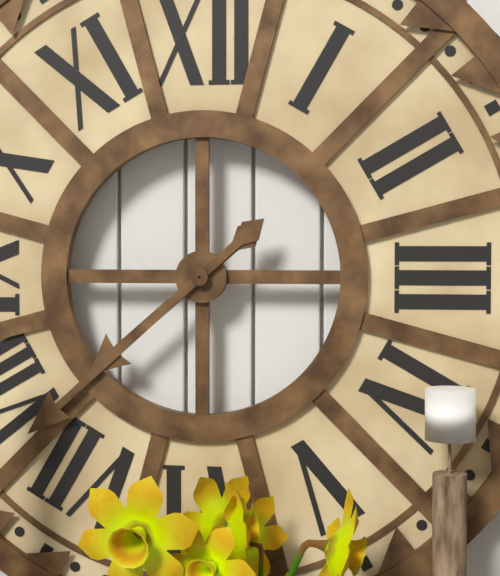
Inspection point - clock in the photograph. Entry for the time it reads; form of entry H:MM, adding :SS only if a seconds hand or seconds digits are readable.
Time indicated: 7:38
